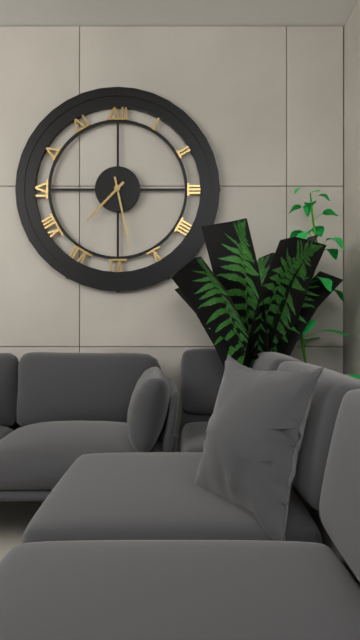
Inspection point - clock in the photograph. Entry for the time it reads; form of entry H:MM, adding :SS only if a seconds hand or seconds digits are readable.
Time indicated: 7:28
